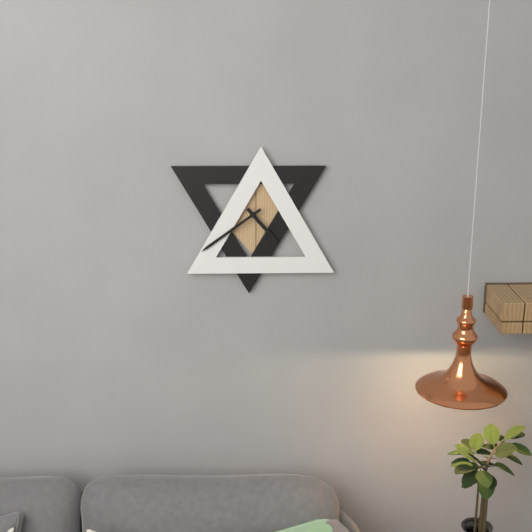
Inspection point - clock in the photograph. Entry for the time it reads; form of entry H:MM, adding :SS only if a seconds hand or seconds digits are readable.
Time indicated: 4:39
